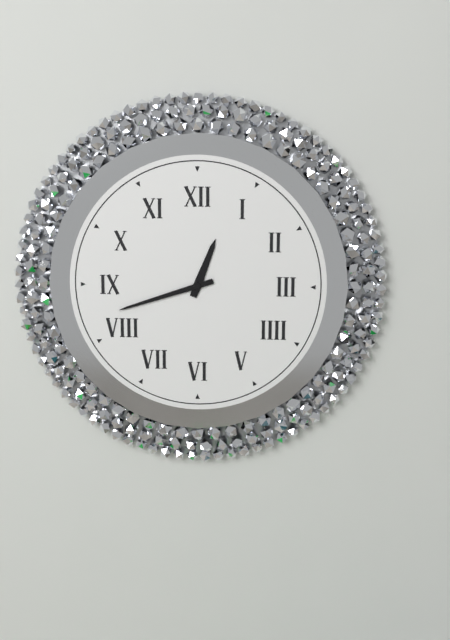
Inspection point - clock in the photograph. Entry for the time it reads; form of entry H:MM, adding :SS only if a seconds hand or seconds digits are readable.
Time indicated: 12:42
